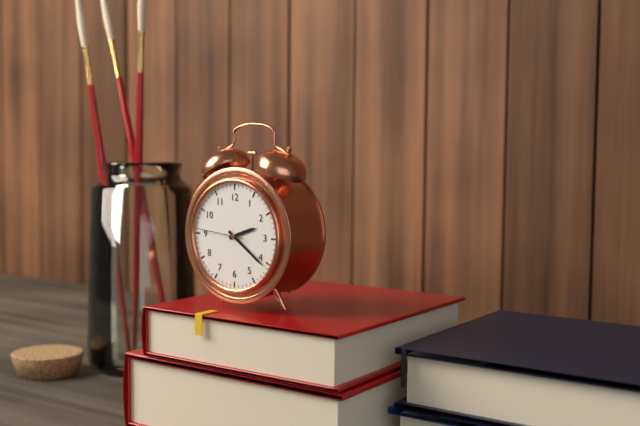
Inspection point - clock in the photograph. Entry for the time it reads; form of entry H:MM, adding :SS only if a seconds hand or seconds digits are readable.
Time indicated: 2:21
